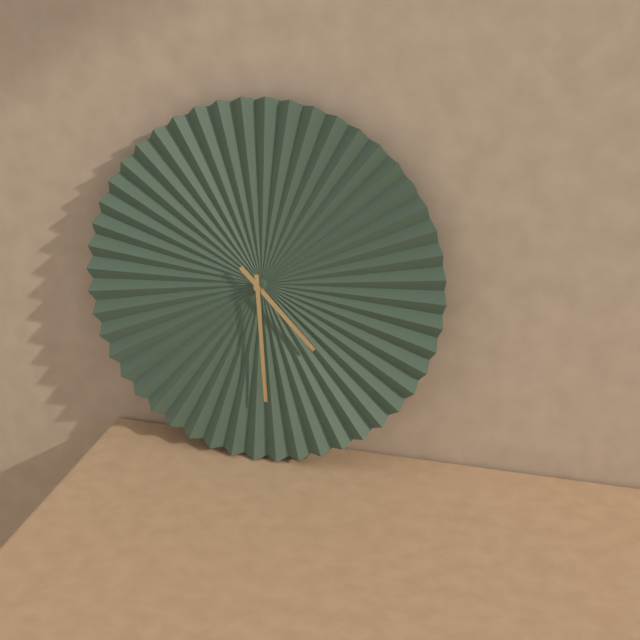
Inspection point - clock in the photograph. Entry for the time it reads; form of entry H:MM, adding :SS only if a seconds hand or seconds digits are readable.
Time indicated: 4:29
